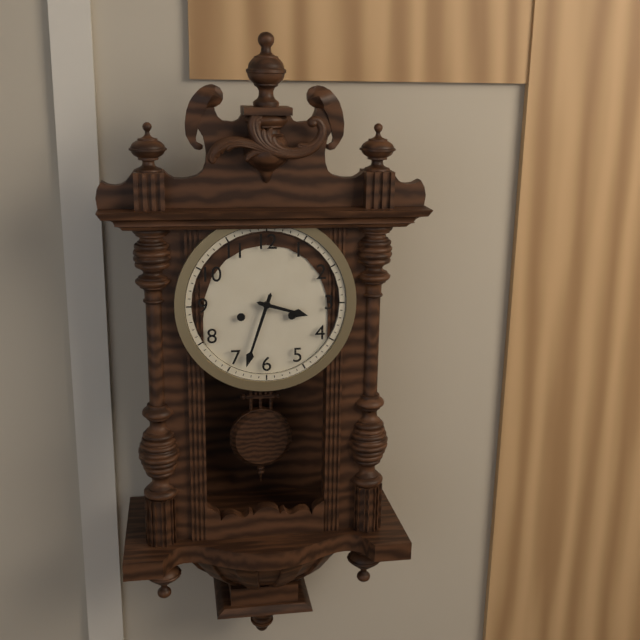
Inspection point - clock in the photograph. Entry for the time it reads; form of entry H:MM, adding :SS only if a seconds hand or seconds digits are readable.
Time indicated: 3:33
